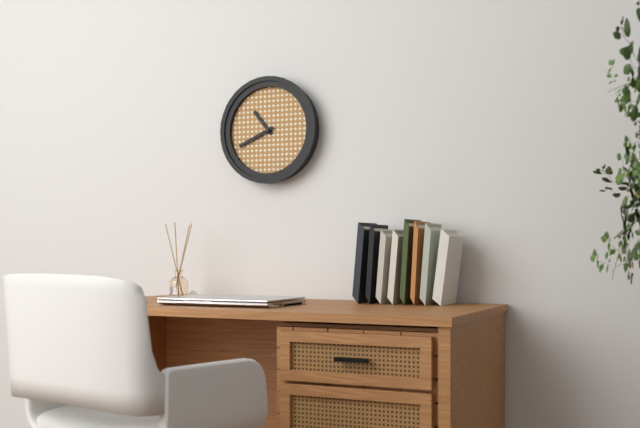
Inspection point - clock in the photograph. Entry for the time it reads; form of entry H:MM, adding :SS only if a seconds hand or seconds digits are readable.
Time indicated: 10:41
